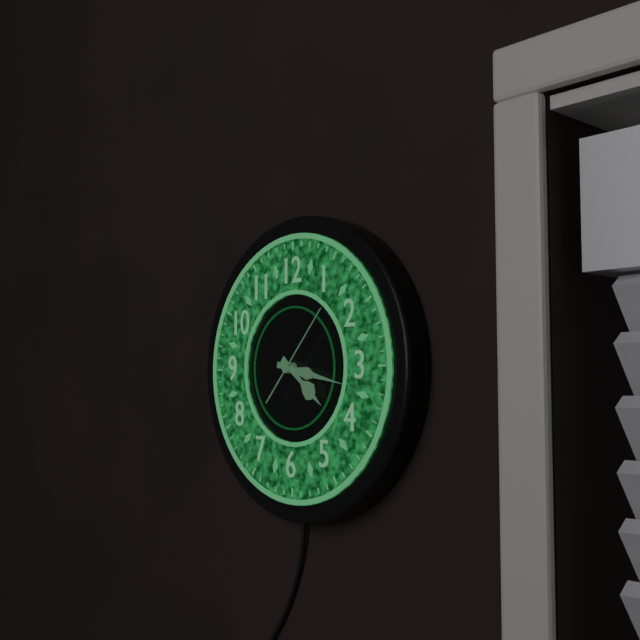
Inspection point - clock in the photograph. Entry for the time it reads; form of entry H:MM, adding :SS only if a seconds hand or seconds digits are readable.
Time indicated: 4:17:07
